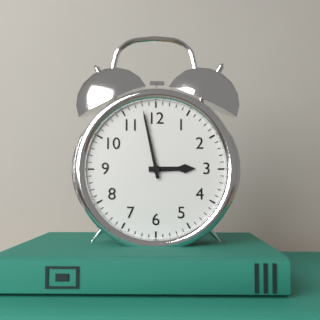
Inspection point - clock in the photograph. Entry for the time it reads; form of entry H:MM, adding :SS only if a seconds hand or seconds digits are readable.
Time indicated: 2:58
